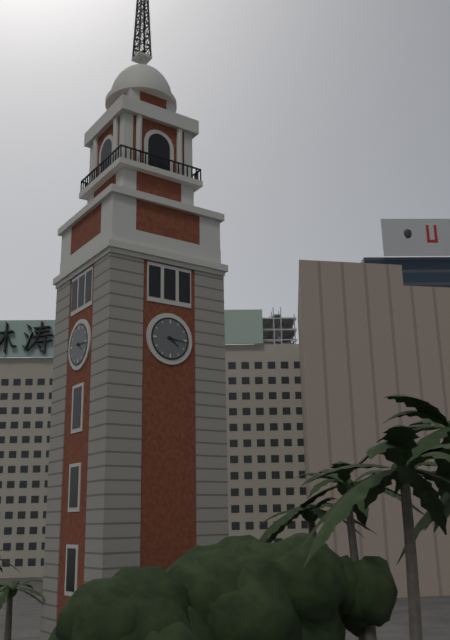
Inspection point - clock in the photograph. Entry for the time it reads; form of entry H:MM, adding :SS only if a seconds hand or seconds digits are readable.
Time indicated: 4:16
